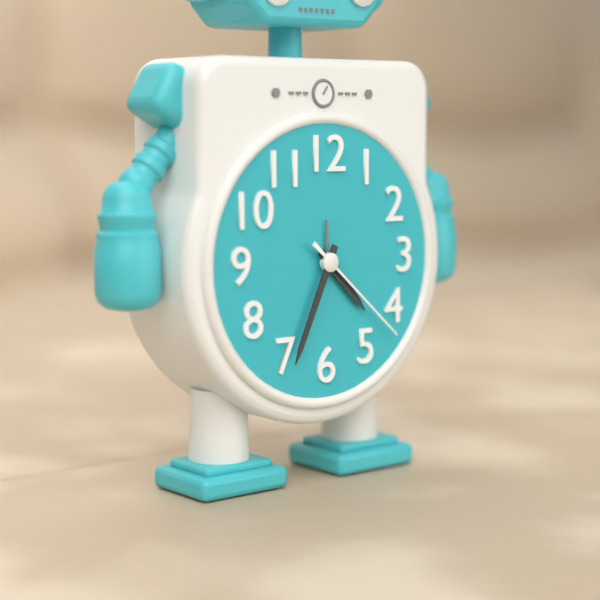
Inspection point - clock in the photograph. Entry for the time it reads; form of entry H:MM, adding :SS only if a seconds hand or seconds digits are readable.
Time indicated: 4:34:22
